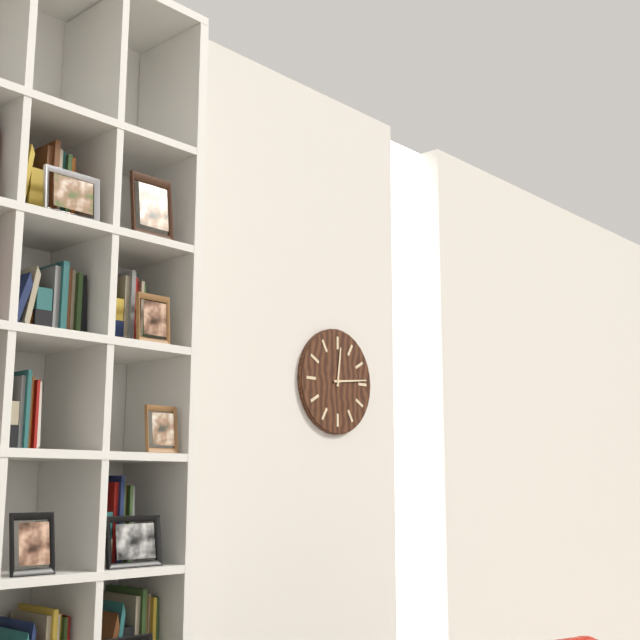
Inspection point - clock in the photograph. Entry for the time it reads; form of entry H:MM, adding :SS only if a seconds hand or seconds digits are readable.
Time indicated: 12:14
